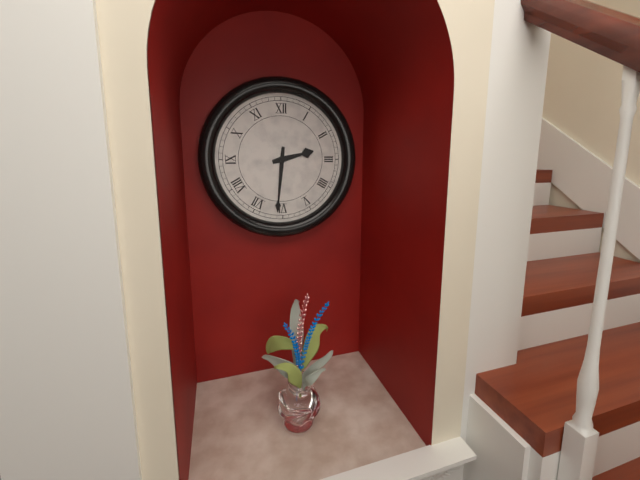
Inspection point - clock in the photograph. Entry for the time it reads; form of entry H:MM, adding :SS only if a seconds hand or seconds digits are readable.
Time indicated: 2:31
